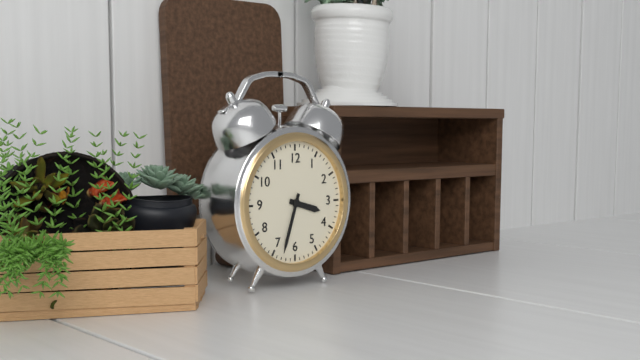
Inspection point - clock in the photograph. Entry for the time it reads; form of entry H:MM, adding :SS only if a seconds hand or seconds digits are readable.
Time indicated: 3:33
